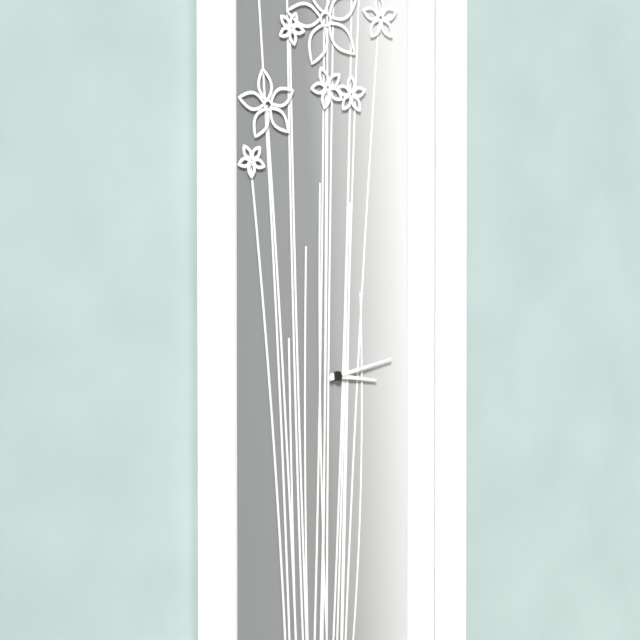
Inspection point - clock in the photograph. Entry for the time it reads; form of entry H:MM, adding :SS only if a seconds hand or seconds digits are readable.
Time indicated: 3:13
